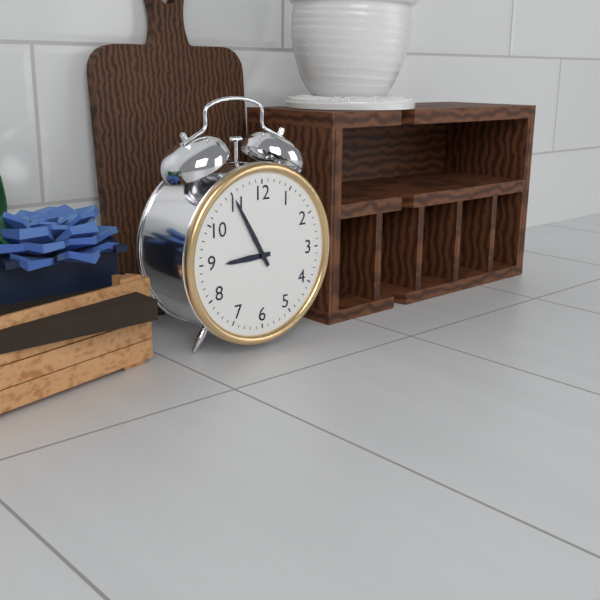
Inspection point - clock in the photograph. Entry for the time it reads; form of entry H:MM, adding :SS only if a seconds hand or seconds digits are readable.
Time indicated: 8:55
